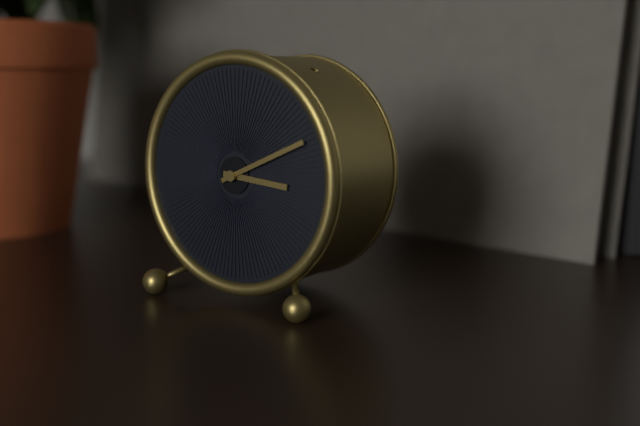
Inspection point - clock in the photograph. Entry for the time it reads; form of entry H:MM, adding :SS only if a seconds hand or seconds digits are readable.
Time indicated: 3:11
